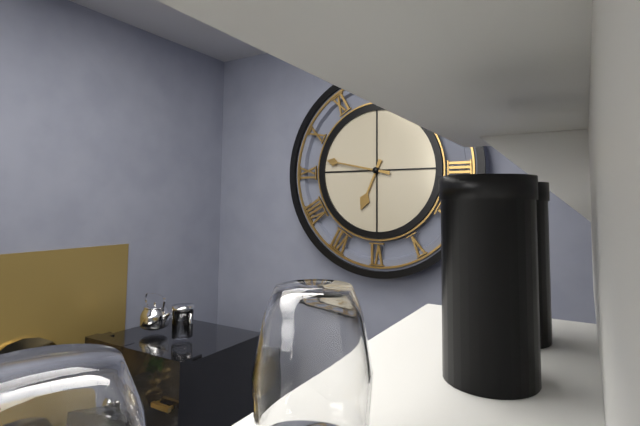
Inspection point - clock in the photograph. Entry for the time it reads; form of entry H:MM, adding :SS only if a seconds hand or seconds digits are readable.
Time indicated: 6:47
